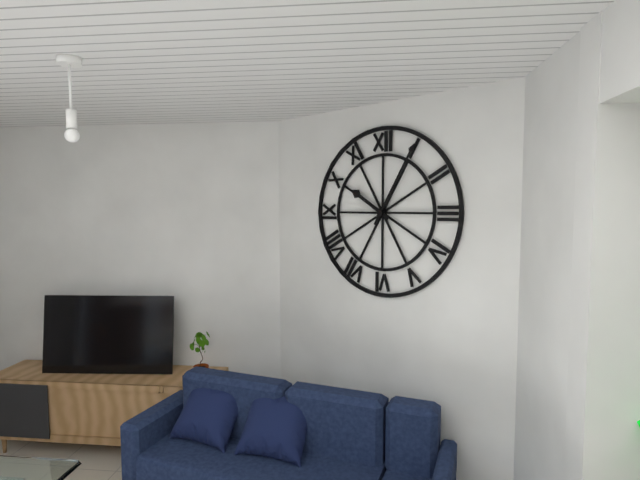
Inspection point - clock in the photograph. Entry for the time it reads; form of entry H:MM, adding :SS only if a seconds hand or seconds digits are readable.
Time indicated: 10:05
